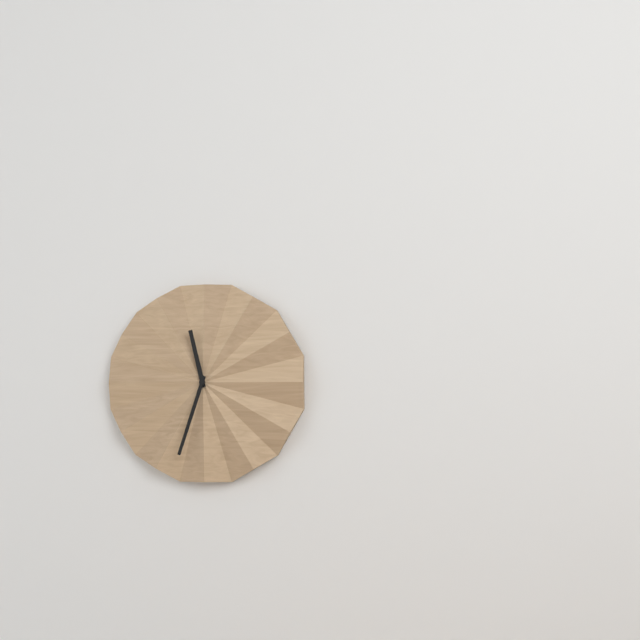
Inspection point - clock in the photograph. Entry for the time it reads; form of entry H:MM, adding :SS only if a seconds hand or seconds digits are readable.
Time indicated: 11:33
